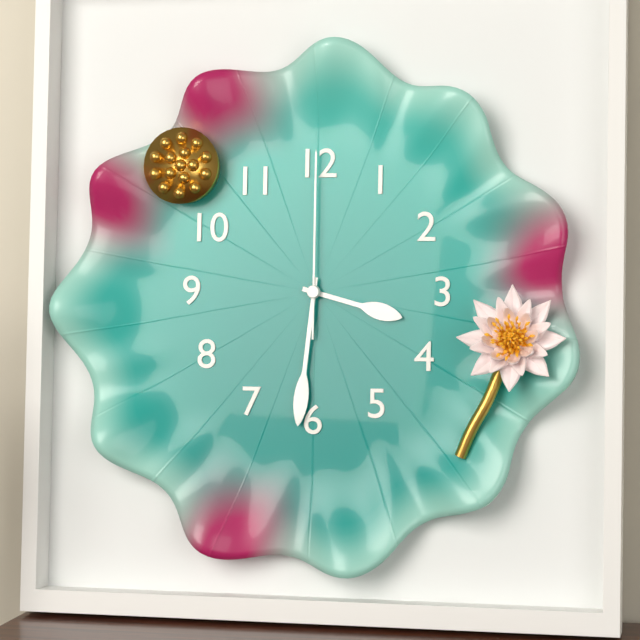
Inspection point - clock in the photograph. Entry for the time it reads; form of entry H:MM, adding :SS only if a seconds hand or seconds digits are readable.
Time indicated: 3:31:00
